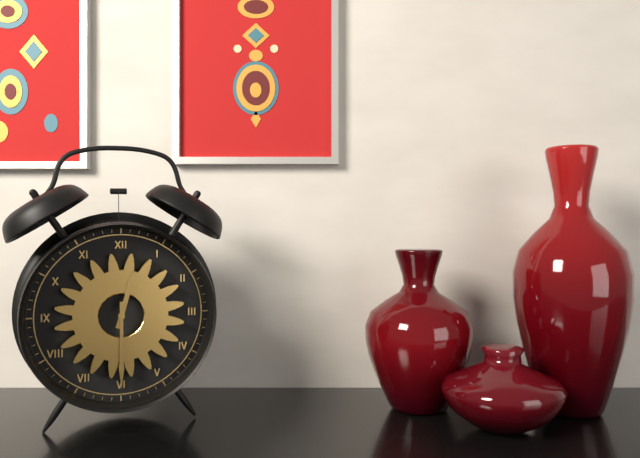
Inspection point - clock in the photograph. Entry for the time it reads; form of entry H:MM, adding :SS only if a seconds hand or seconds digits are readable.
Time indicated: 12:30
